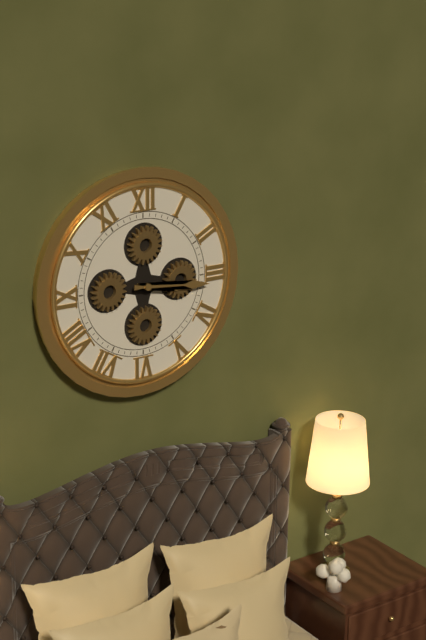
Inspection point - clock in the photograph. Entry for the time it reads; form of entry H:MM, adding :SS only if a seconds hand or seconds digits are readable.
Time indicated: 3:16
